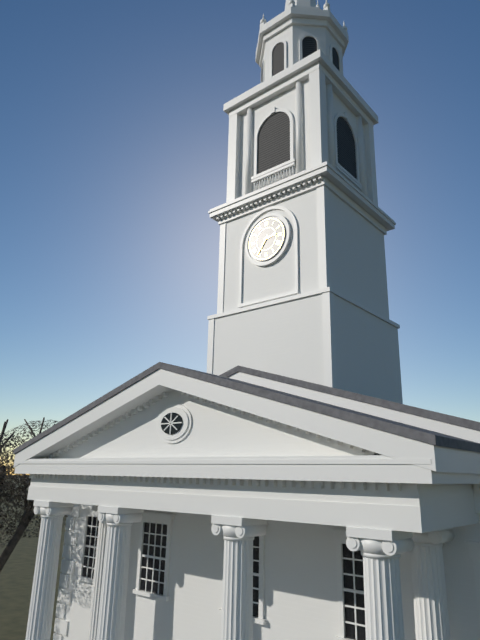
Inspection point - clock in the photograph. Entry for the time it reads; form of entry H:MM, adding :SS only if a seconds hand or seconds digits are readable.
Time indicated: 2:36
